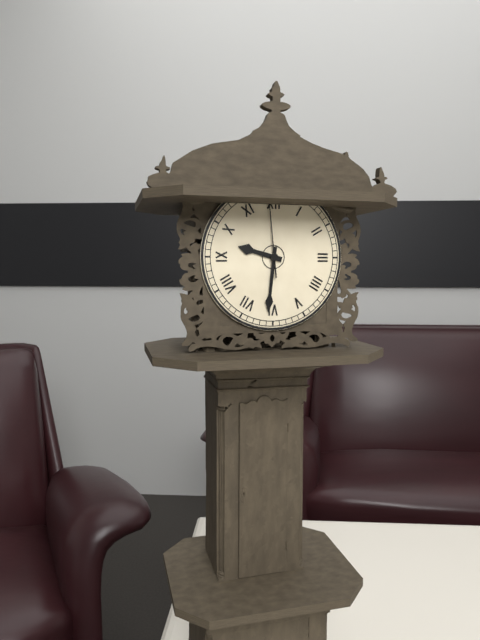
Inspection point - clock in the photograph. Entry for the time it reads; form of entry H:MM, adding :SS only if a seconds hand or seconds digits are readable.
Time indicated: 9:31:59
